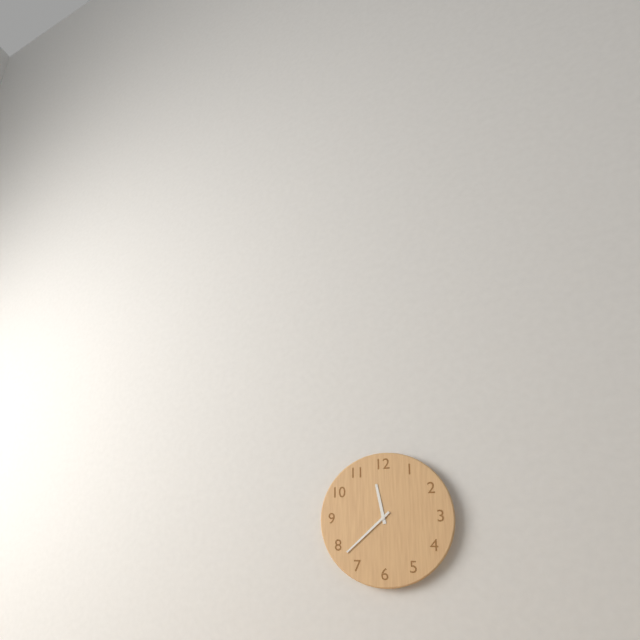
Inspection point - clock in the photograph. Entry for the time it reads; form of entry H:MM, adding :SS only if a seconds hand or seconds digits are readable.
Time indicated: 11:38
